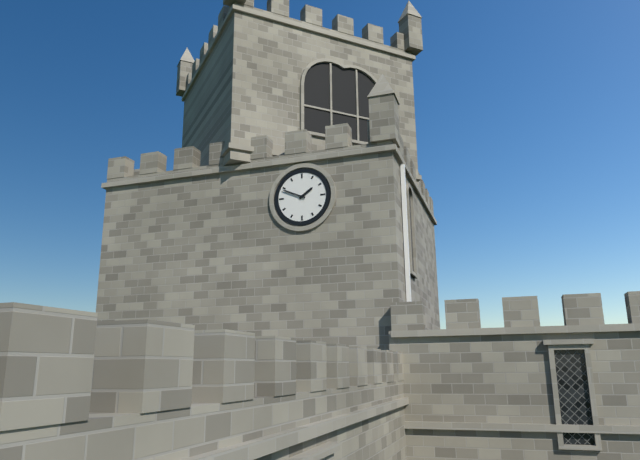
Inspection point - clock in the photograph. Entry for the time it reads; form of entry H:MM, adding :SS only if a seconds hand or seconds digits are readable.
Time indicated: 1:49
